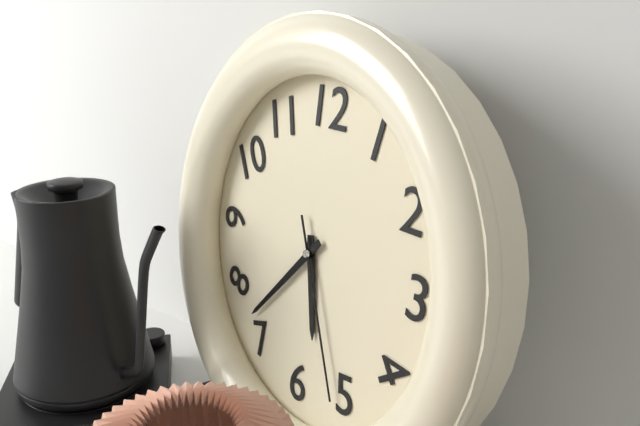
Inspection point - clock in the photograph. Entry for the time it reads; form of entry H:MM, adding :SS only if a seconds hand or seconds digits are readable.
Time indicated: 5:37:26
